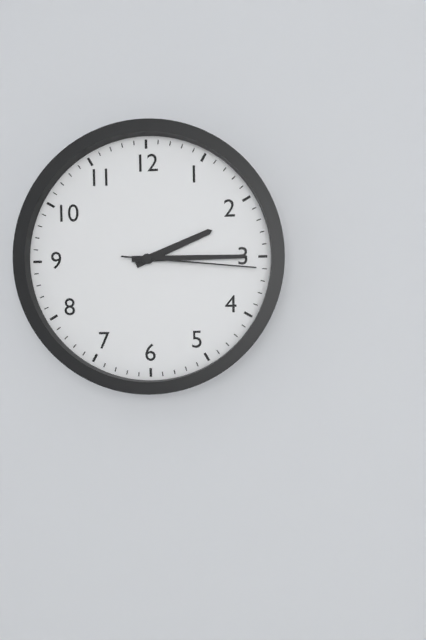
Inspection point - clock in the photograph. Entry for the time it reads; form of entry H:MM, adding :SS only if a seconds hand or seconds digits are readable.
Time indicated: 2:15:16
